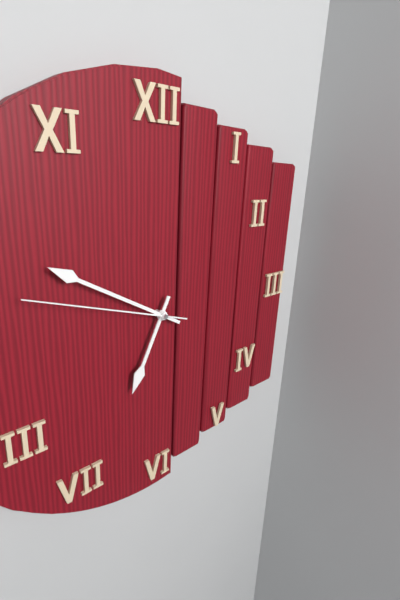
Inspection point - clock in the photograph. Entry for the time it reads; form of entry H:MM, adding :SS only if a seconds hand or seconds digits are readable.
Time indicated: 6:50:48
